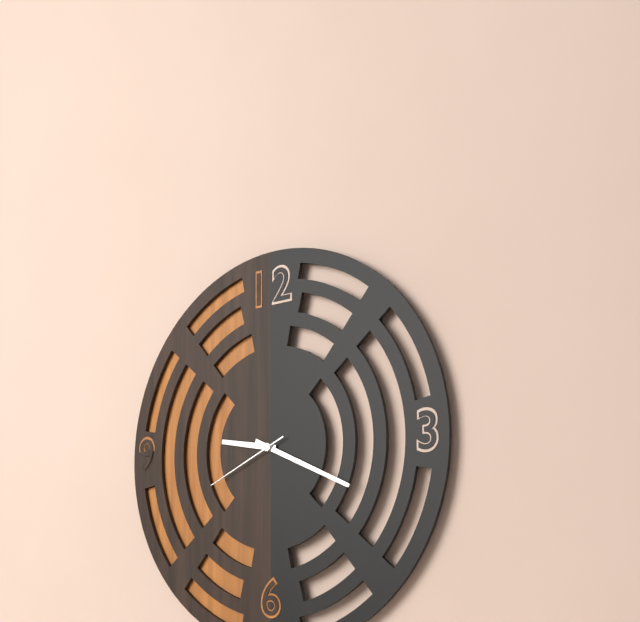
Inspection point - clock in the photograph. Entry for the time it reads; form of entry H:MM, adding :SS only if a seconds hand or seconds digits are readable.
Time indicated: 9:19:41
